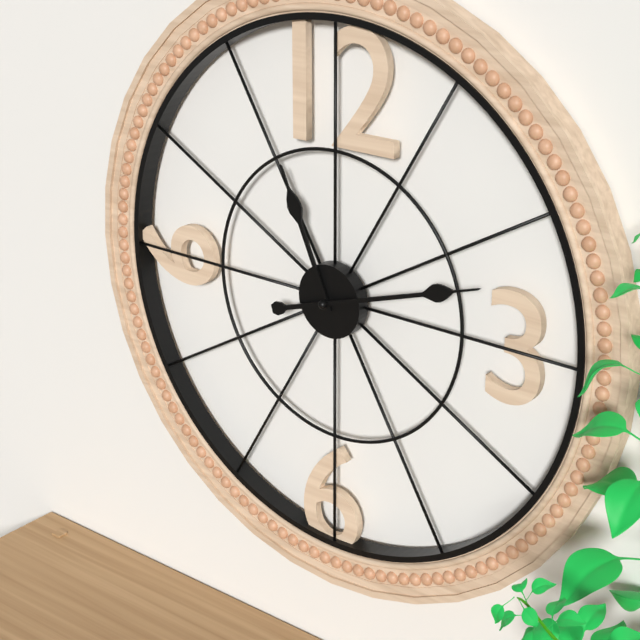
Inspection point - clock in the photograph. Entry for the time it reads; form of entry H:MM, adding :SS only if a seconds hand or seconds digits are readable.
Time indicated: 11:12
